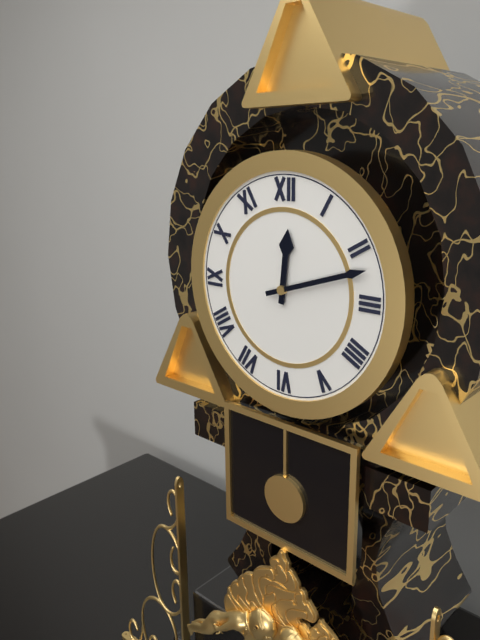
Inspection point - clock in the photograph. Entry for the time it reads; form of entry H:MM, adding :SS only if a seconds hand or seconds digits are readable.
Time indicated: 12:12
